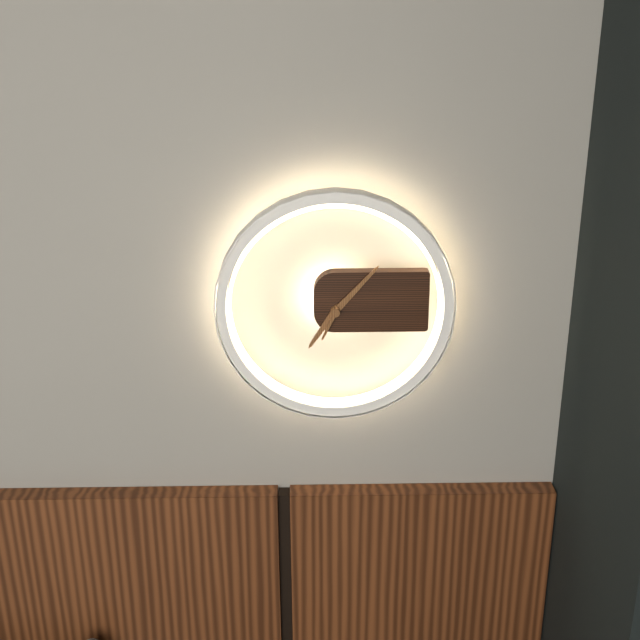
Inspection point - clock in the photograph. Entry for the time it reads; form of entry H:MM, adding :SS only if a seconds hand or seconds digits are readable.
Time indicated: 7:07:34
